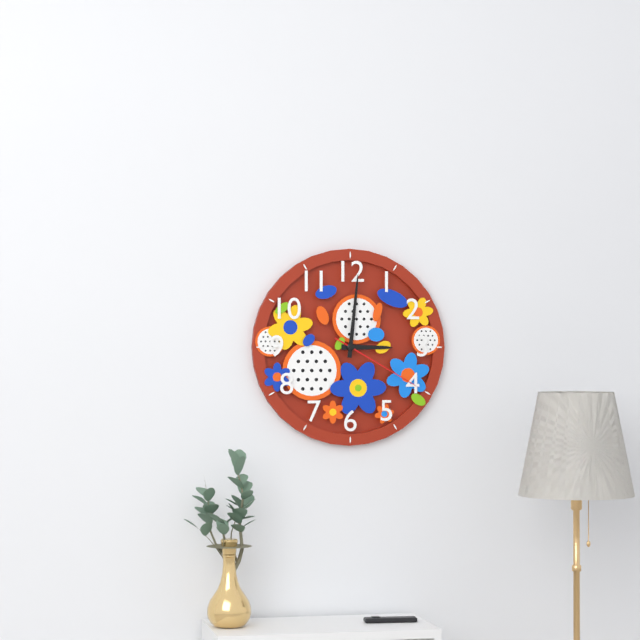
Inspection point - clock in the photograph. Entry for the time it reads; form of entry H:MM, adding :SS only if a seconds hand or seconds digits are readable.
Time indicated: 3:01:20
